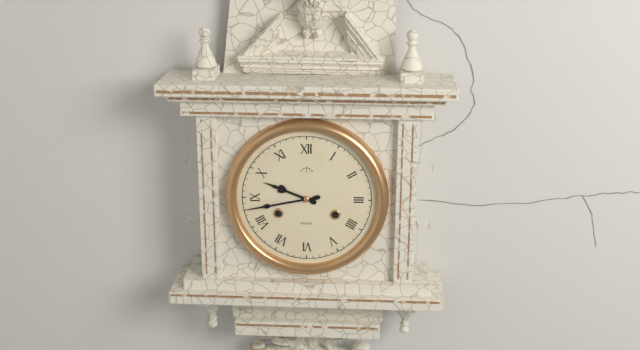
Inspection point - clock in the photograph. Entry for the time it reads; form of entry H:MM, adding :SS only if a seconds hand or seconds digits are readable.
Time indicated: 9:43
